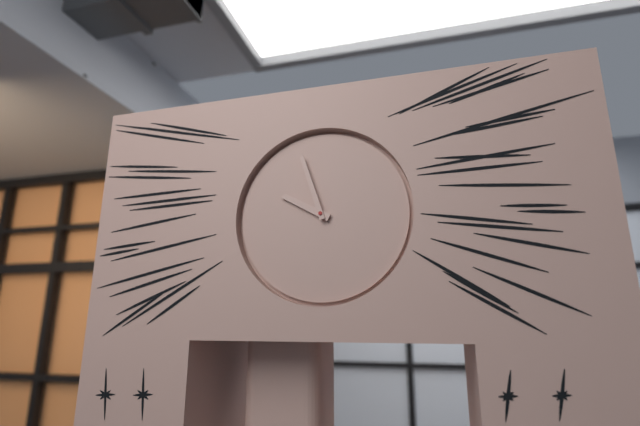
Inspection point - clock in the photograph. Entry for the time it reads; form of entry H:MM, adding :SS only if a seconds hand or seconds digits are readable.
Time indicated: 9:57
